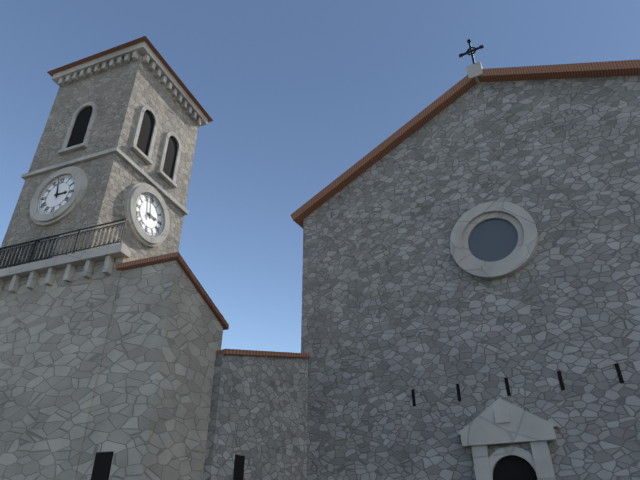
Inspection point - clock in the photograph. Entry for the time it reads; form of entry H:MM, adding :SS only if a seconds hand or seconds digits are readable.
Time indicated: 2:58
